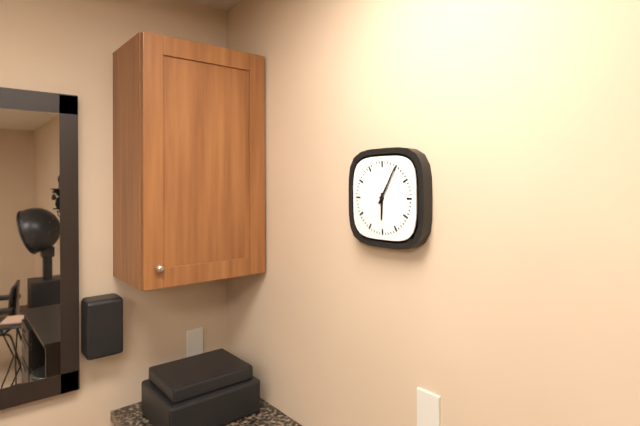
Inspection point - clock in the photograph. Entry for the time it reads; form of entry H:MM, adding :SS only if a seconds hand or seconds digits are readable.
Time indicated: 6:05
